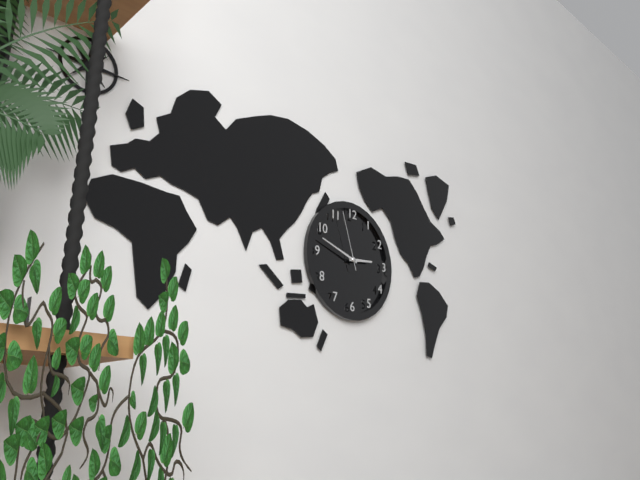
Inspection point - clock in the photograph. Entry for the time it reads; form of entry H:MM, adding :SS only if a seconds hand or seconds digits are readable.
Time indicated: 2:48:57
